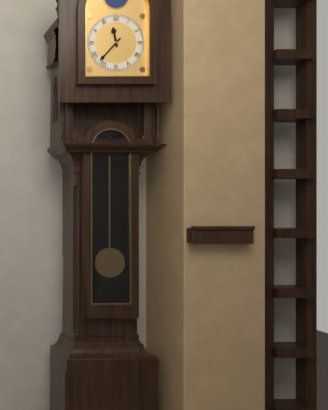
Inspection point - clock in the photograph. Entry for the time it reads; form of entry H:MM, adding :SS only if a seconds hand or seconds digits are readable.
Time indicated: 11:37
